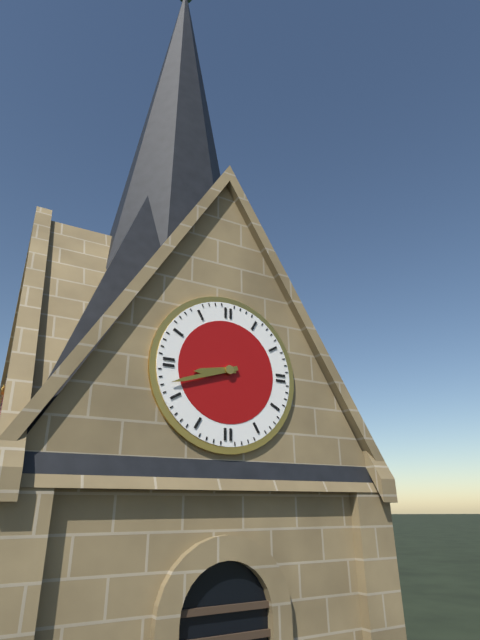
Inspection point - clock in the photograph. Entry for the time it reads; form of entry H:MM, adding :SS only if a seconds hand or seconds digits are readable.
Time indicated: 8:42
